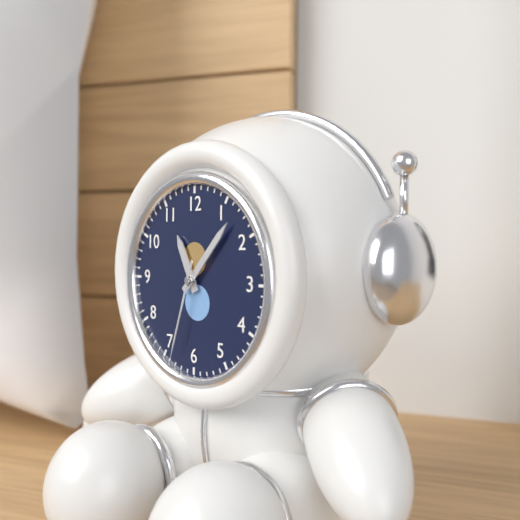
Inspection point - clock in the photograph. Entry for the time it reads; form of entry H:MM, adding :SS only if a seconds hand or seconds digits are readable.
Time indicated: 11:07:33
